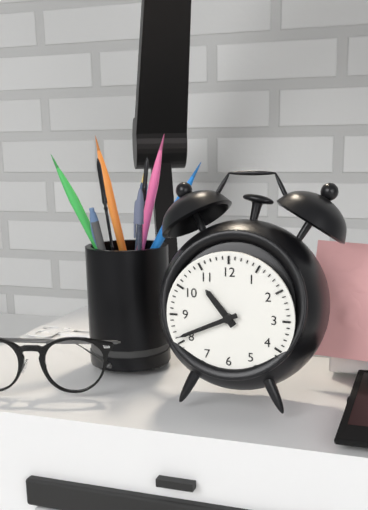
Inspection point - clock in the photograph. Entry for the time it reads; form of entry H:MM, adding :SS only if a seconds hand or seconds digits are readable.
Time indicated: 10:41
